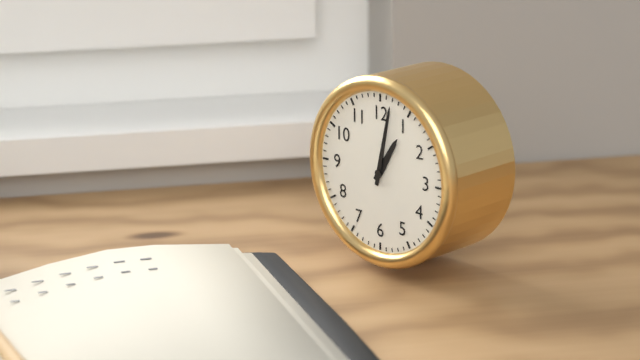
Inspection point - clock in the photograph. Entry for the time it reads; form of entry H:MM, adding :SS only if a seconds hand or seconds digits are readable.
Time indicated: 1:02
